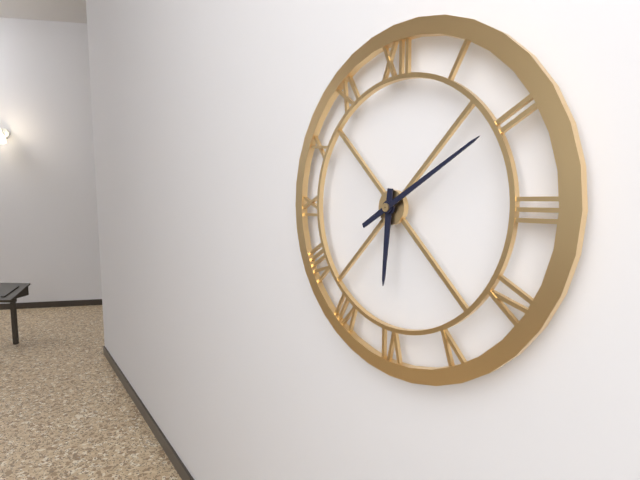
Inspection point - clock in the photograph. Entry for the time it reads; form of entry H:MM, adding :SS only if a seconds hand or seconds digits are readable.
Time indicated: 6:10
